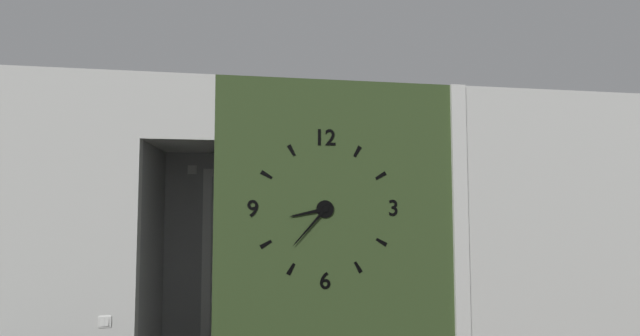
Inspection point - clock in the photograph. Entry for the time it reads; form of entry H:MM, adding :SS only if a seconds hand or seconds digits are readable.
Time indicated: 8:37
